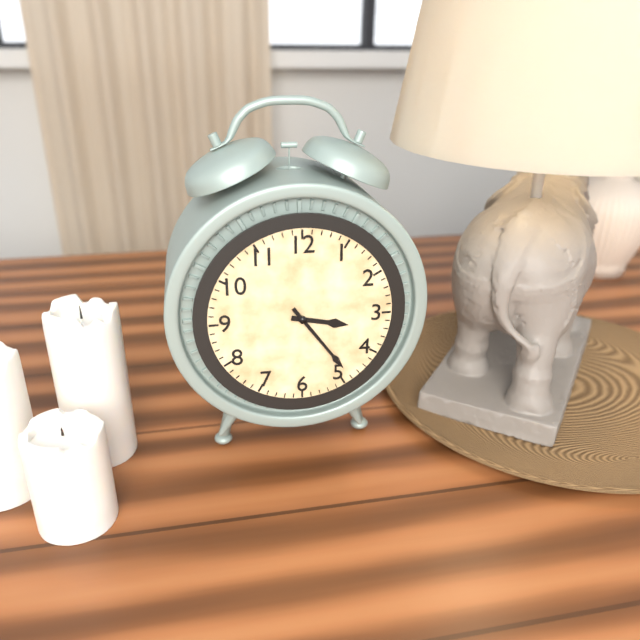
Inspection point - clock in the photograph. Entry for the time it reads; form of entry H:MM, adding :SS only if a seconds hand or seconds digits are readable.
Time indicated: 3:24
